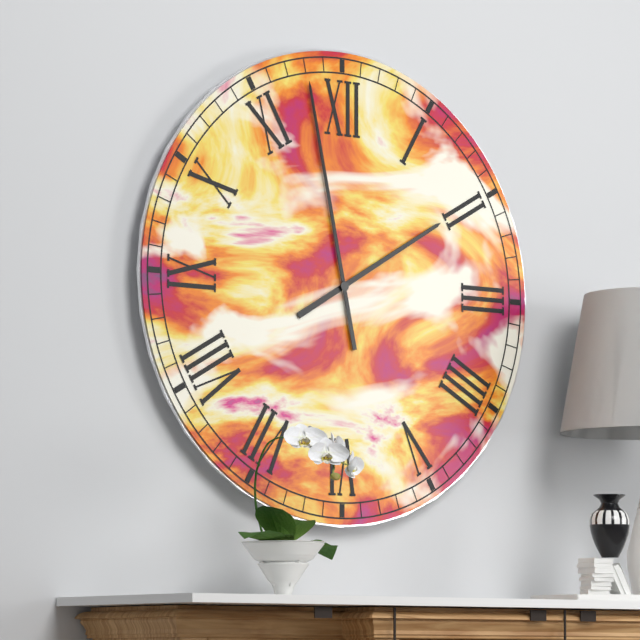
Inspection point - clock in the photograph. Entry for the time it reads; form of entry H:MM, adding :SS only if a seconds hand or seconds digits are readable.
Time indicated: 1:58
